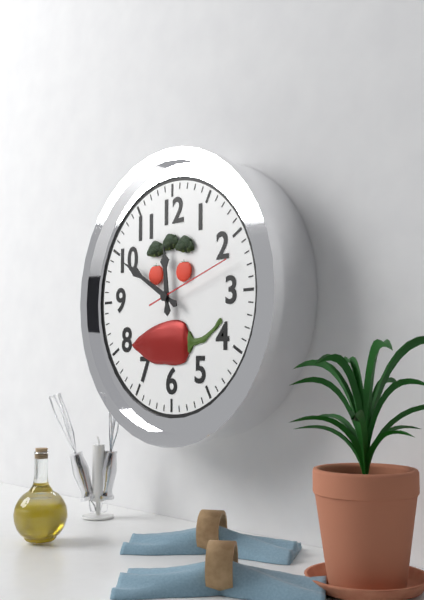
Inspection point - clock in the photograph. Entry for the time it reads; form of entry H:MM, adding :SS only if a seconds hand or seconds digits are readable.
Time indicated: 11:50:12
